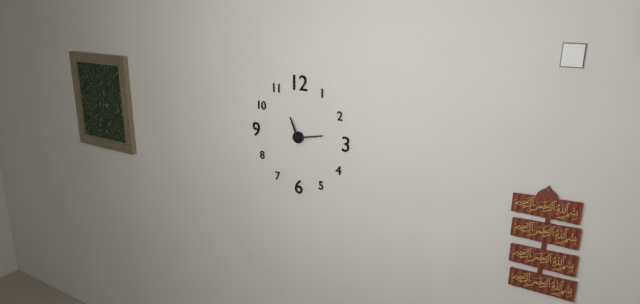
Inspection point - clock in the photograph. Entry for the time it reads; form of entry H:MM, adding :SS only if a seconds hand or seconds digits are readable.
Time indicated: 11:13
